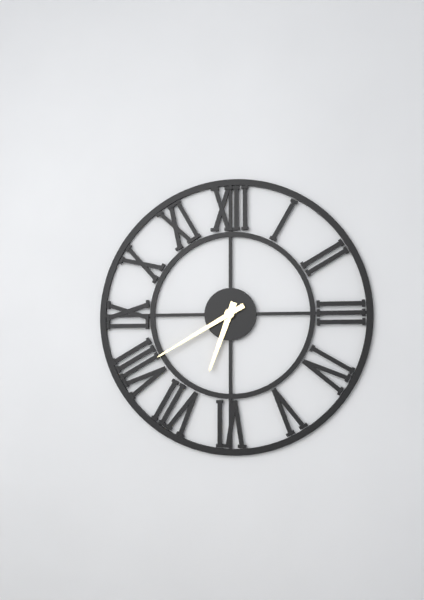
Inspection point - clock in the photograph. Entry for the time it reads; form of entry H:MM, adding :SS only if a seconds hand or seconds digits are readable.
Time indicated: 6:40
